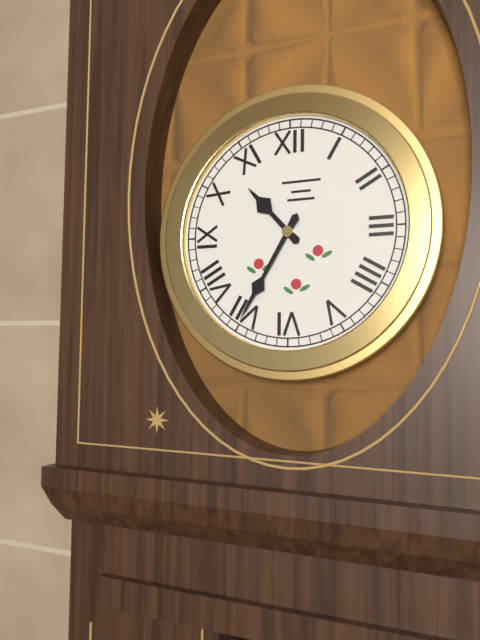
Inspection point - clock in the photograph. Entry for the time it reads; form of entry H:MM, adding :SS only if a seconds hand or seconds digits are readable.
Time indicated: 10:35
